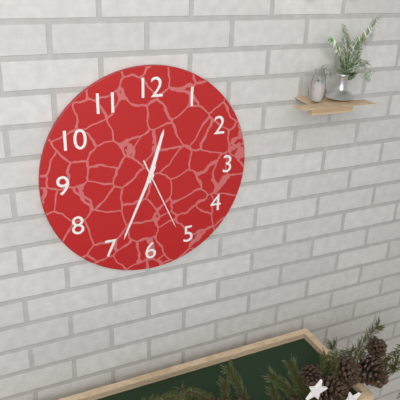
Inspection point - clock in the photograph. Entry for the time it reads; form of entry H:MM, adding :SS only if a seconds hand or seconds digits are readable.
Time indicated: 12:34:26
